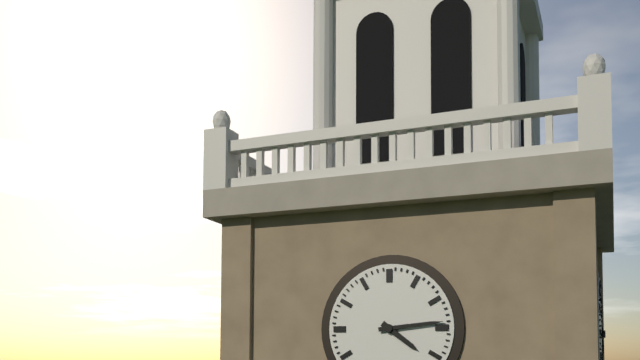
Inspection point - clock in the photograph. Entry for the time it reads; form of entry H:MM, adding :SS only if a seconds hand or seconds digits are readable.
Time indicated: 4:14
